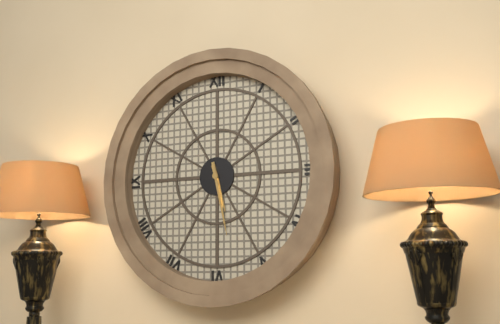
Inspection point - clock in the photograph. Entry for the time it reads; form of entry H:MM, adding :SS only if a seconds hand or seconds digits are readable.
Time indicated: 5:28
